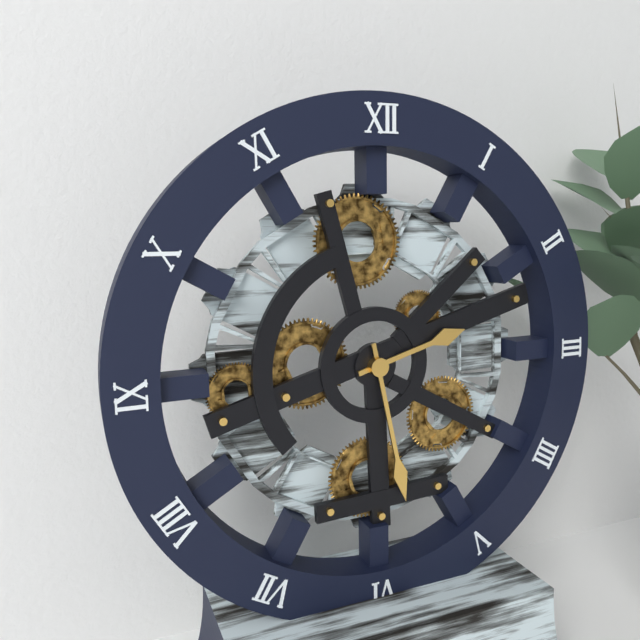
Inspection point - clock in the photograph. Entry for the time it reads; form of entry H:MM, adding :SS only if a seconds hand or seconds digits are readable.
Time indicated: 2:28
